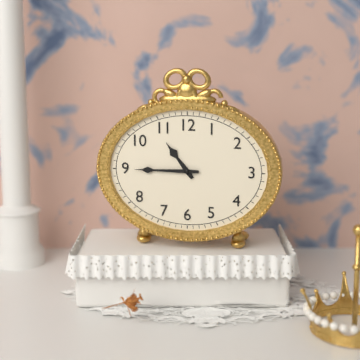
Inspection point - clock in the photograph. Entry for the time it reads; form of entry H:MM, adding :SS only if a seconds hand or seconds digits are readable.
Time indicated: 10:45
